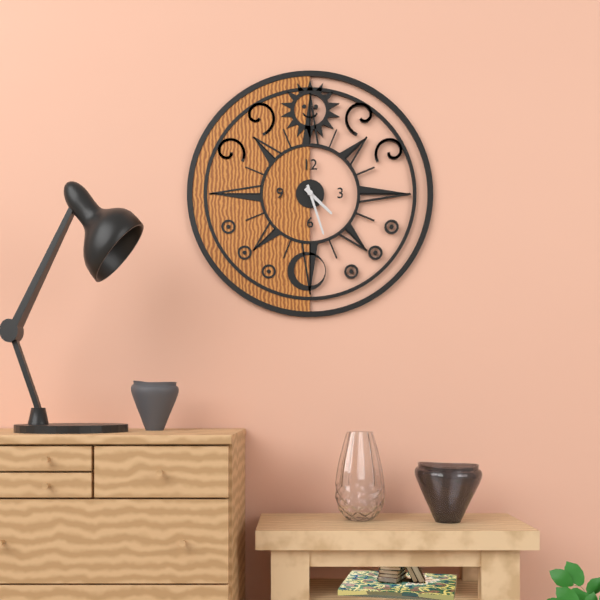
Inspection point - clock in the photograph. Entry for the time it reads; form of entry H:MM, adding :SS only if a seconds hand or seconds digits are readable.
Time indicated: 4:27
